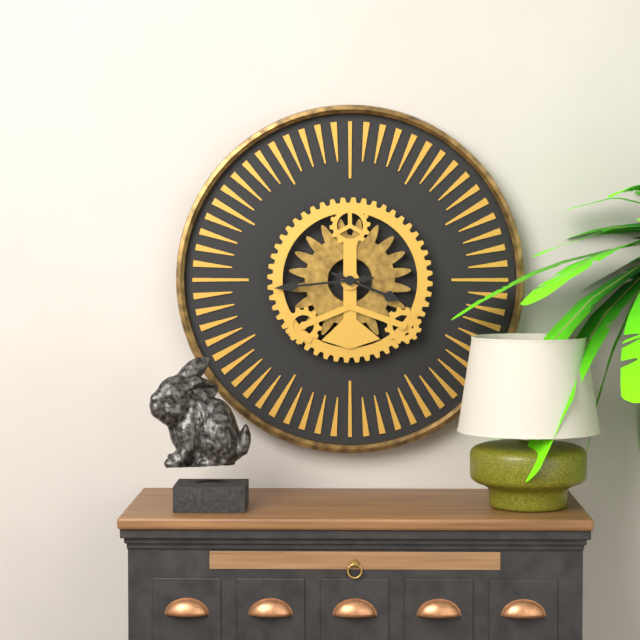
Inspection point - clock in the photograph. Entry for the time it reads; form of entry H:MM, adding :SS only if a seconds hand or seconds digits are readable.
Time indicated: 3:44
